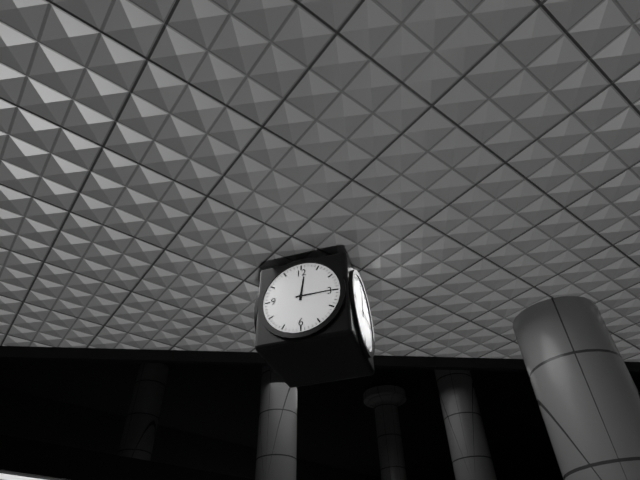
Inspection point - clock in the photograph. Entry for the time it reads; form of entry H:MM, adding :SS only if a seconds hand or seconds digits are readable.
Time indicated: 12:15
